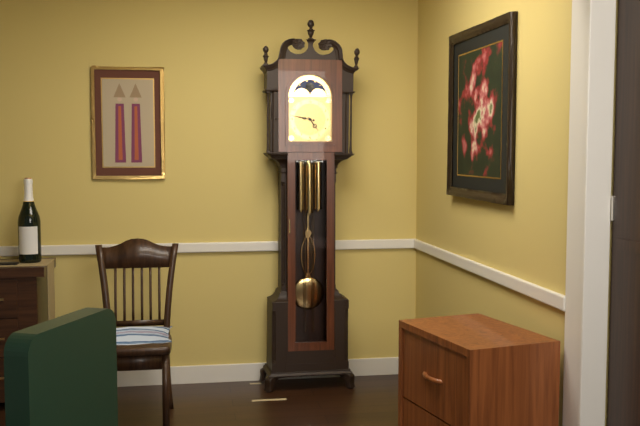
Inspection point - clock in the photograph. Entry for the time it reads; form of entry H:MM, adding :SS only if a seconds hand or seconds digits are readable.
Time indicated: 4:47
